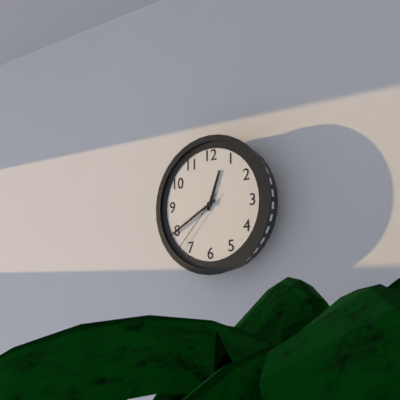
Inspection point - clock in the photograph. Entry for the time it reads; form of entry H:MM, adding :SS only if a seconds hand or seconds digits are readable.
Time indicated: 12:40:37
